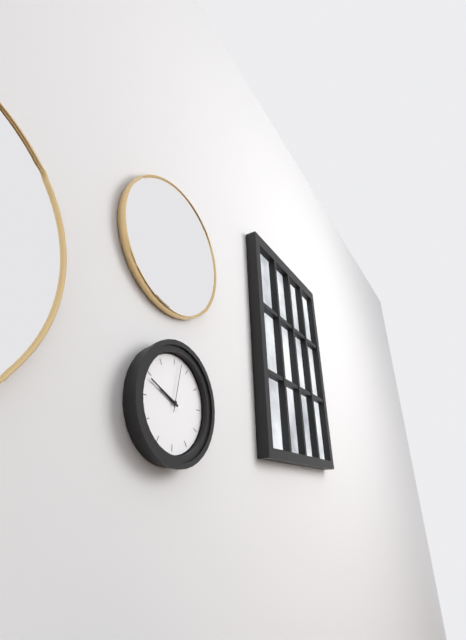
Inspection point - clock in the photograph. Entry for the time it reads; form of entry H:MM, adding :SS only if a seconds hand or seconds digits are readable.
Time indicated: 9:49
